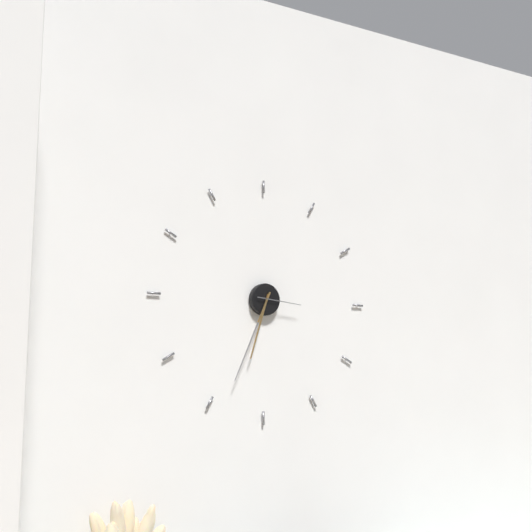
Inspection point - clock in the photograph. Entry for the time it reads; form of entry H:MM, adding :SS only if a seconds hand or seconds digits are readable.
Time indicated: 6:34
